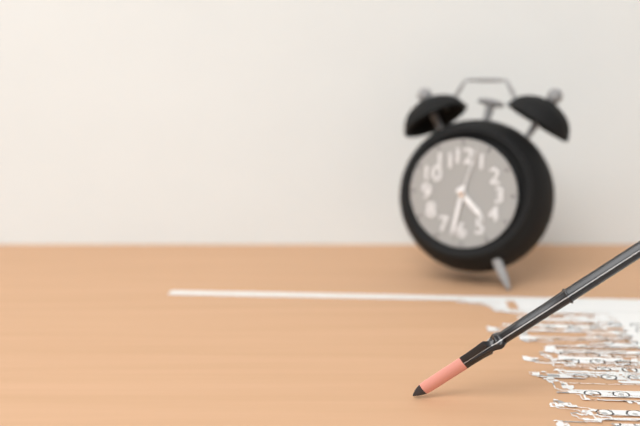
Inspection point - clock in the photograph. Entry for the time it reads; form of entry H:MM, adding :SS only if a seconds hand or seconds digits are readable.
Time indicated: 4:32:03
